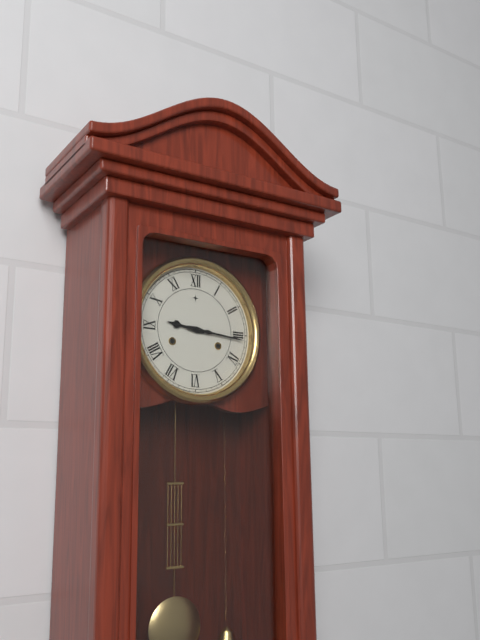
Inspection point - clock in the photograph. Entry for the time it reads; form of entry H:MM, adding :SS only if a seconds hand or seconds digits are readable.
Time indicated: 9:16
